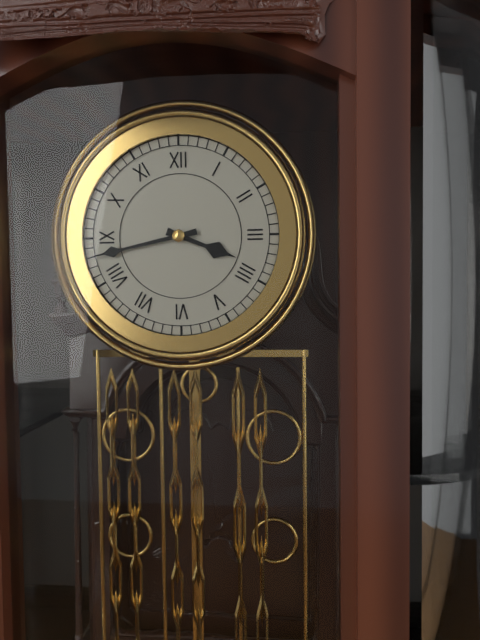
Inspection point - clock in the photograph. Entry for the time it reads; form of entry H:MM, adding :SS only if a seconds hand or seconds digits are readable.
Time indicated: 3:43
